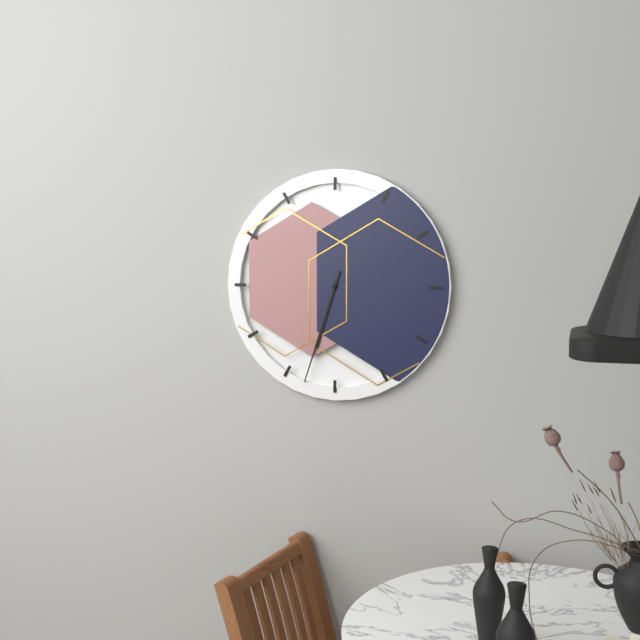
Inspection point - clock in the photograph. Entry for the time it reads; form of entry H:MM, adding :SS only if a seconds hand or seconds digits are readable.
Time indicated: 6:33
